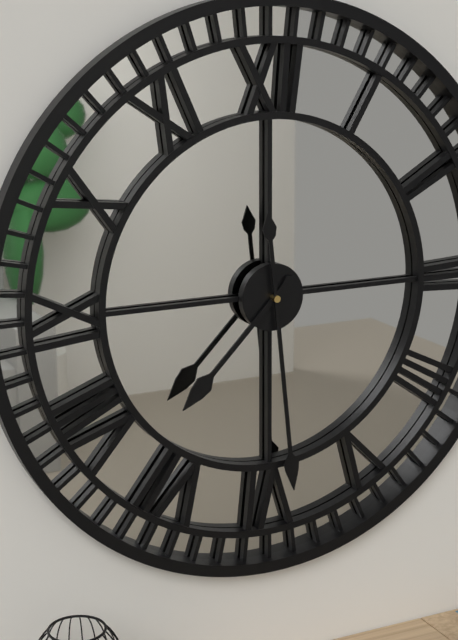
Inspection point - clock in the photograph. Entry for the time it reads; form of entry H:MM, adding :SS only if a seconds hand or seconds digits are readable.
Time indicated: 7:29
